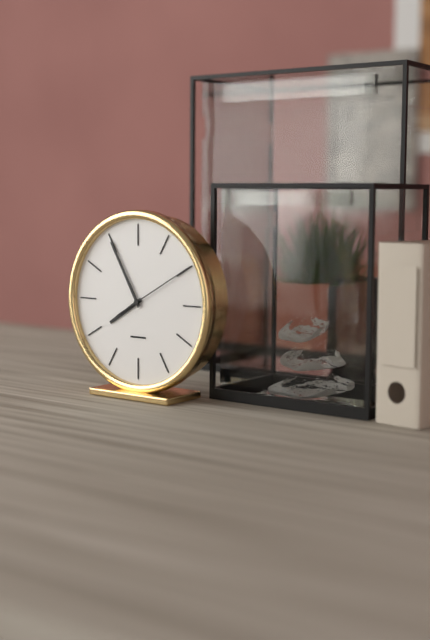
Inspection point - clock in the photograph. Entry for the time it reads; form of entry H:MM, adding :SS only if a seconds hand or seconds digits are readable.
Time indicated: 7:55:10
